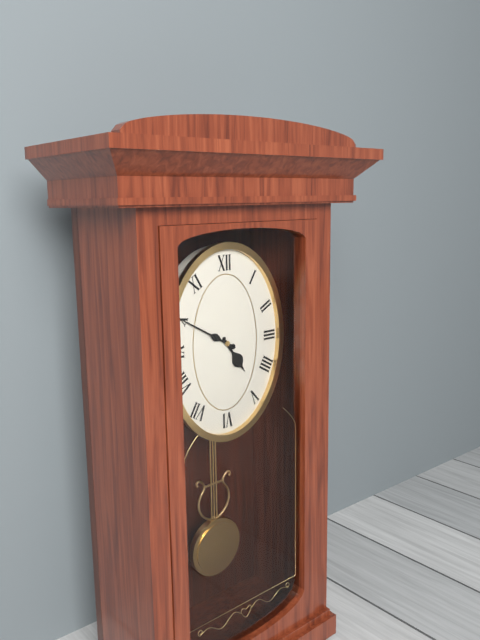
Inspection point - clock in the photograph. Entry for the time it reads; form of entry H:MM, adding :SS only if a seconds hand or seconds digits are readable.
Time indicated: 4:50
